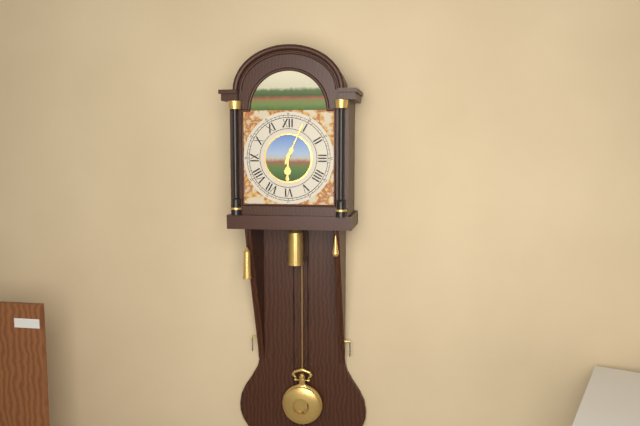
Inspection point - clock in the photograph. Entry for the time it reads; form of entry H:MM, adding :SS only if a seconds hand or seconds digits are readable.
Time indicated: 6:04
